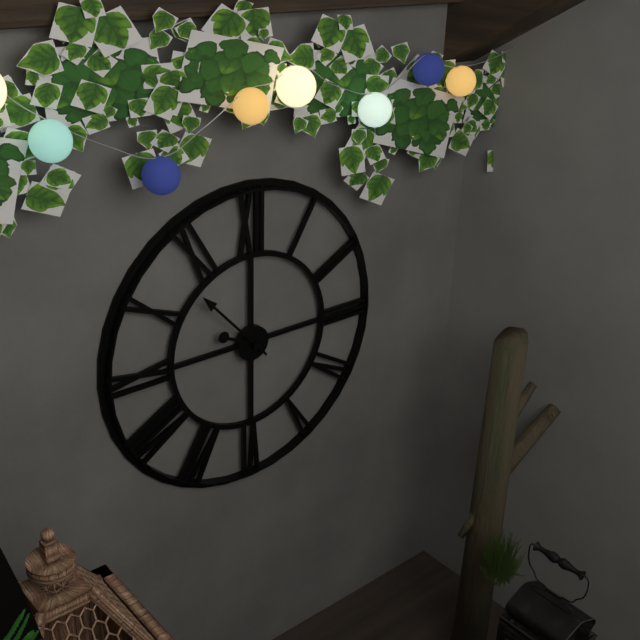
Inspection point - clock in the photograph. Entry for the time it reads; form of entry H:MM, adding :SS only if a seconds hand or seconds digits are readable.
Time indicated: 9:53
